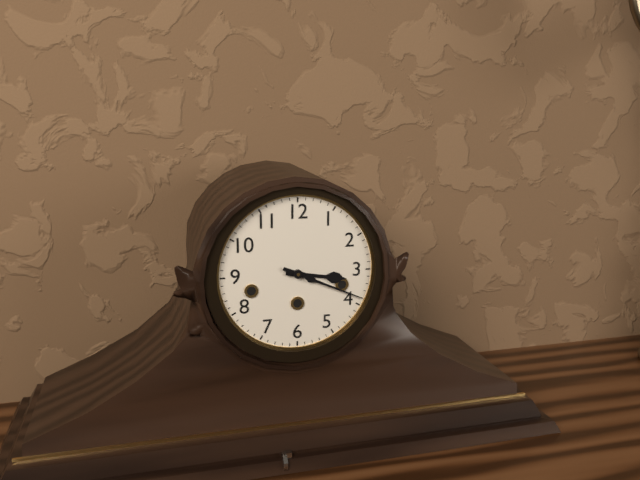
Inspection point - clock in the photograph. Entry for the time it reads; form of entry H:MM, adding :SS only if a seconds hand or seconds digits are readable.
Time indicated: 3:19
